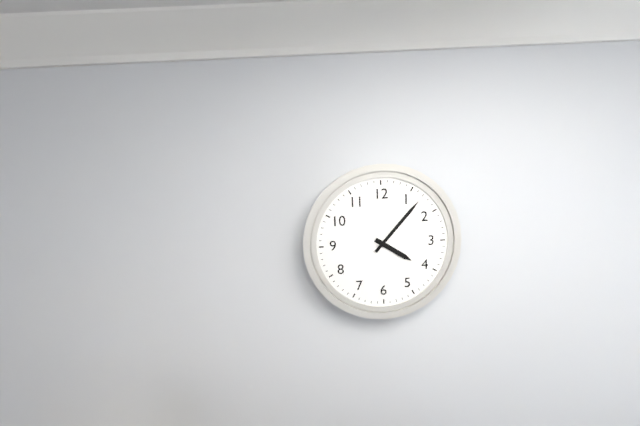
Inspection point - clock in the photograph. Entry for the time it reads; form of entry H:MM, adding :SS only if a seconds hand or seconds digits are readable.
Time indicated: 4:07
